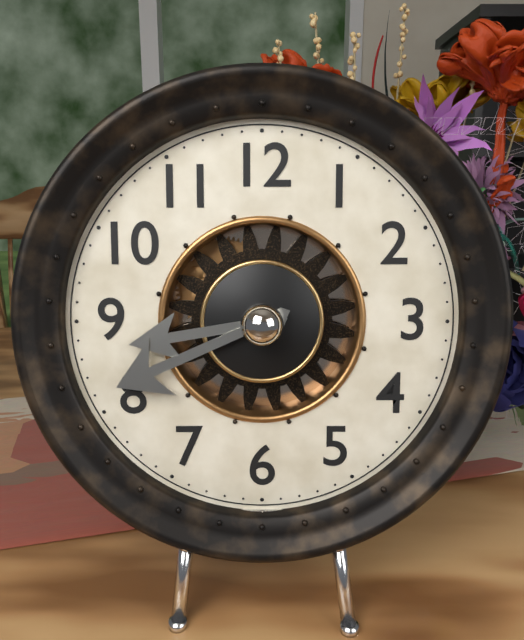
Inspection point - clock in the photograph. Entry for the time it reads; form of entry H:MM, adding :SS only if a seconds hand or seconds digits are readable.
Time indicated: 8:41
